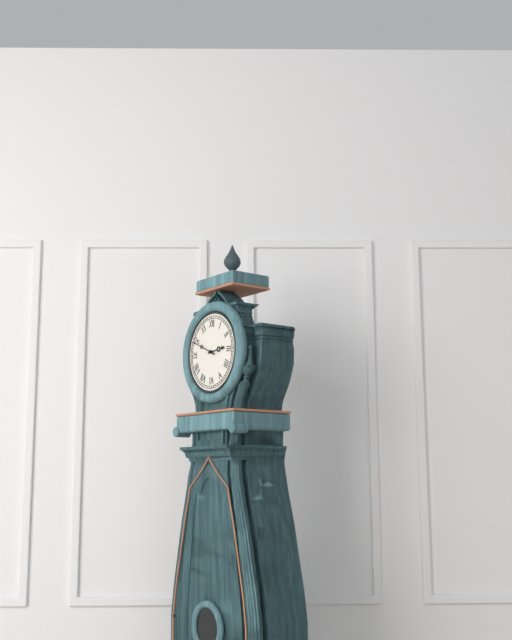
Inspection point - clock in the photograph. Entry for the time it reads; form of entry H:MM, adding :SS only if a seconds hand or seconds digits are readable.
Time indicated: 2:49
